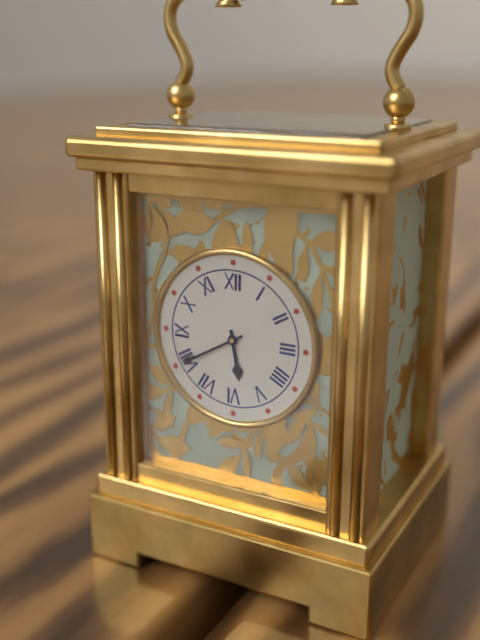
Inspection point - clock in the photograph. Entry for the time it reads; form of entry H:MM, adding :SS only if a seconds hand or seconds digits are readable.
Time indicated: 5:40
